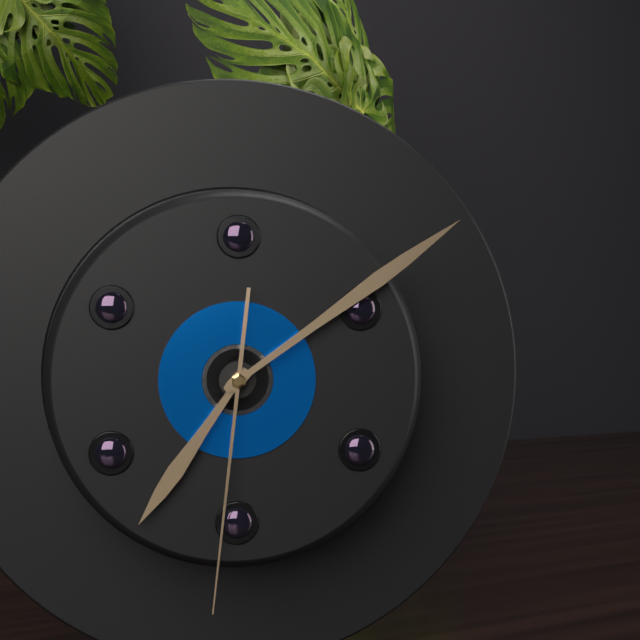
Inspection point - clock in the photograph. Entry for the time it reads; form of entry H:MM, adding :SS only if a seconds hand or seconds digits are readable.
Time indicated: 7:09:31
